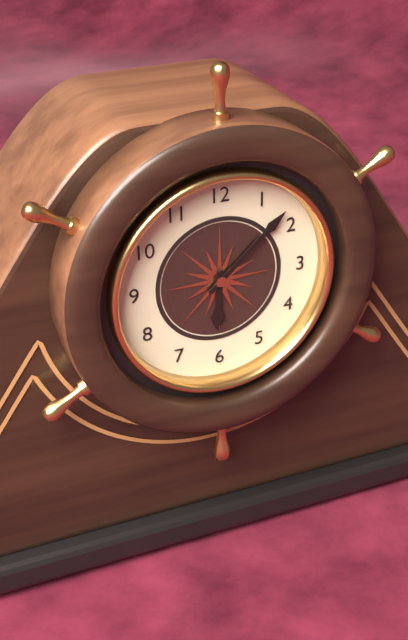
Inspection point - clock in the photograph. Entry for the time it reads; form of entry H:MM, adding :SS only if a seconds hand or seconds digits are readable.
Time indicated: 6:08
